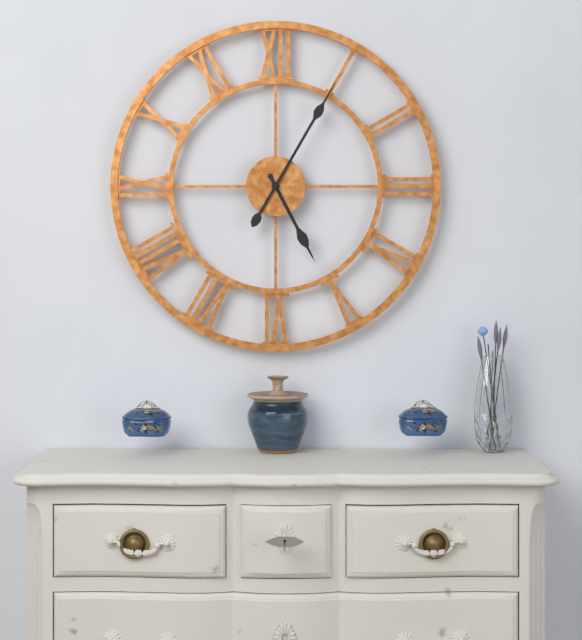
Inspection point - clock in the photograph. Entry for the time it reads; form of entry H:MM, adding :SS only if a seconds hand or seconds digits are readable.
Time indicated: 5:05
